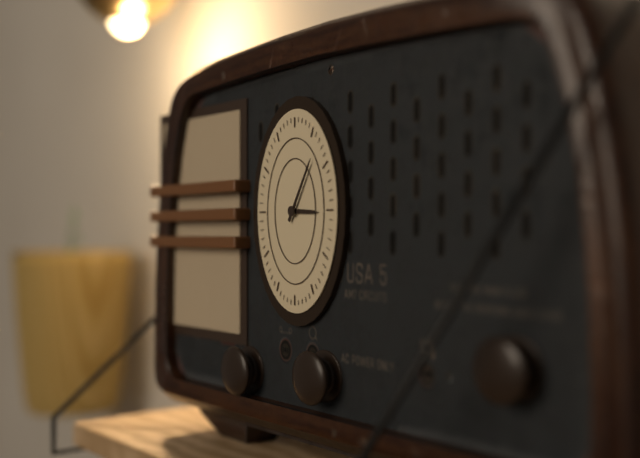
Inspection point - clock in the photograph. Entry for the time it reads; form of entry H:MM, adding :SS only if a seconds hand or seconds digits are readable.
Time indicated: 3:05
